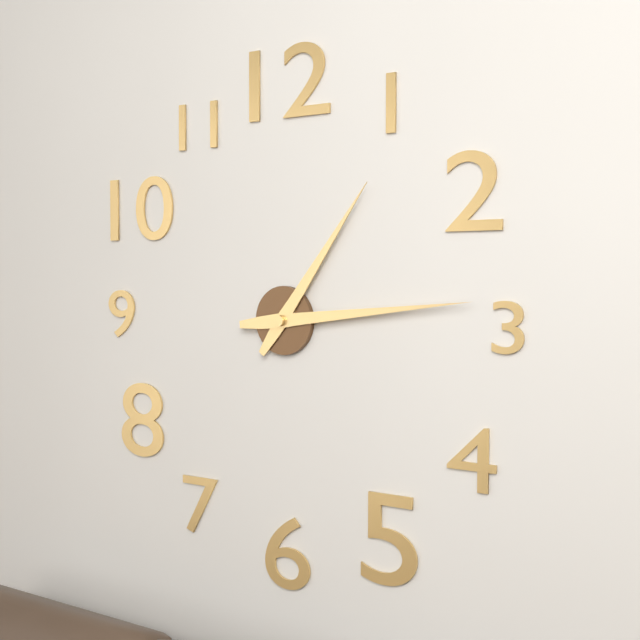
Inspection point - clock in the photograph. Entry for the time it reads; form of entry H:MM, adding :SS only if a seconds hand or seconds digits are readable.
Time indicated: 1:14
